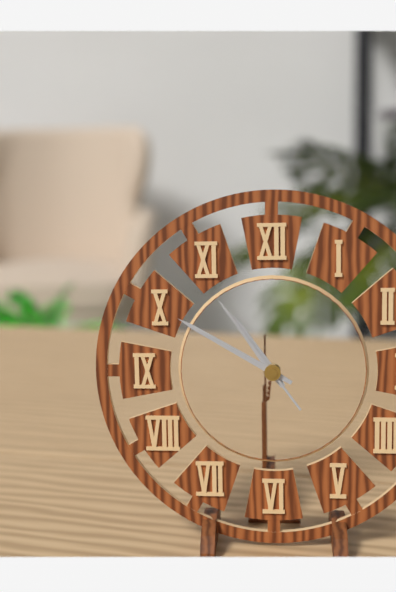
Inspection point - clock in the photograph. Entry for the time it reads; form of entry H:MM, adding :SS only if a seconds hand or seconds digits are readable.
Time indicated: 10:50:54
